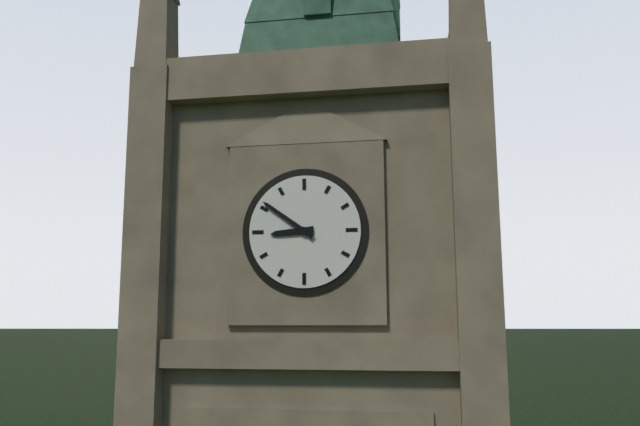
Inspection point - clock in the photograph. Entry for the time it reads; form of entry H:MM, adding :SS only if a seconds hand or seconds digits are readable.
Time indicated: 8:51
